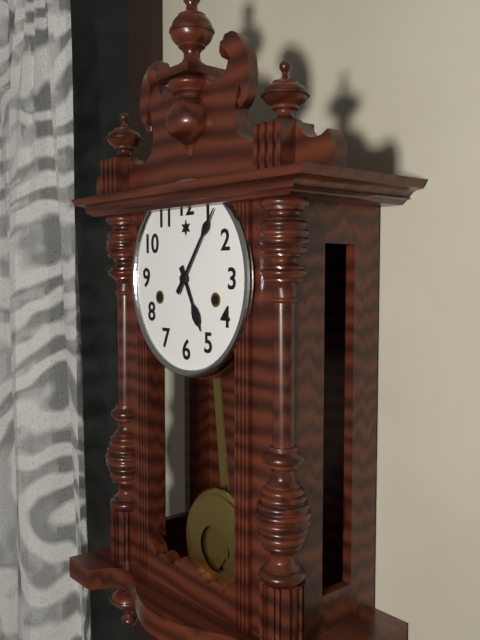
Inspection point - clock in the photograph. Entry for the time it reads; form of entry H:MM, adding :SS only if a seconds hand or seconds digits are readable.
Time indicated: 5:06
